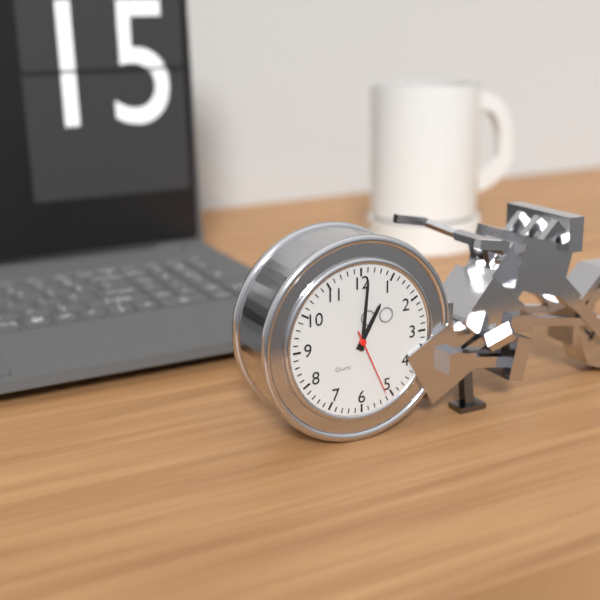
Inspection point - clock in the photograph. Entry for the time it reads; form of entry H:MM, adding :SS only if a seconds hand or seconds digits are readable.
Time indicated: 1:01:26
